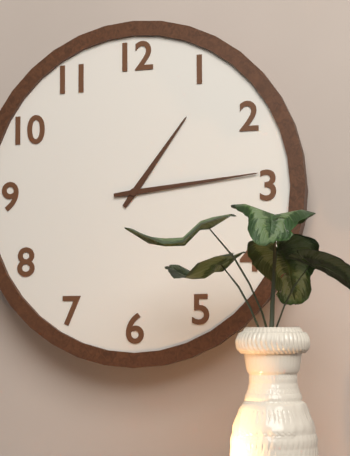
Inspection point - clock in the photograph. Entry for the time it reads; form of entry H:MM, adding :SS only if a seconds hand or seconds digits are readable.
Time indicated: 1:14
